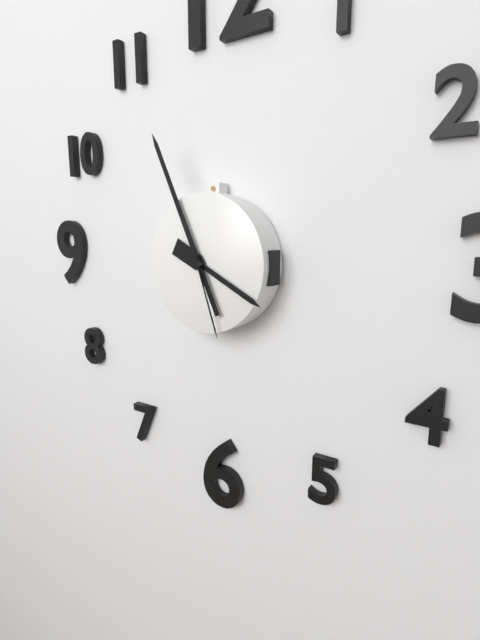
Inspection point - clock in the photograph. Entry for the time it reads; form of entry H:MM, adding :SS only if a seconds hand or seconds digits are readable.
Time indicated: 3:56:27
